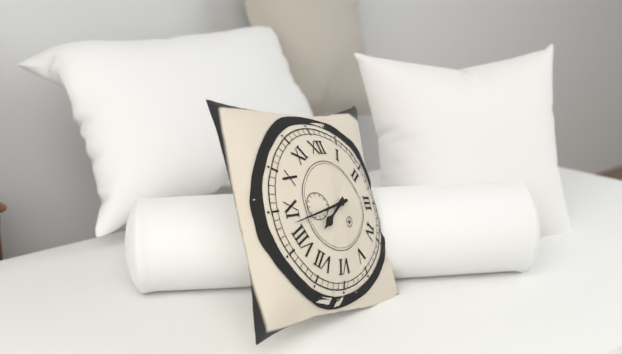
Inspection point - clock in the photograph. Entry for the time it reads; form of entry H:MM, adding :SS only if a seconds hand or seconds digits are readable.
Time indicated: 7:43
